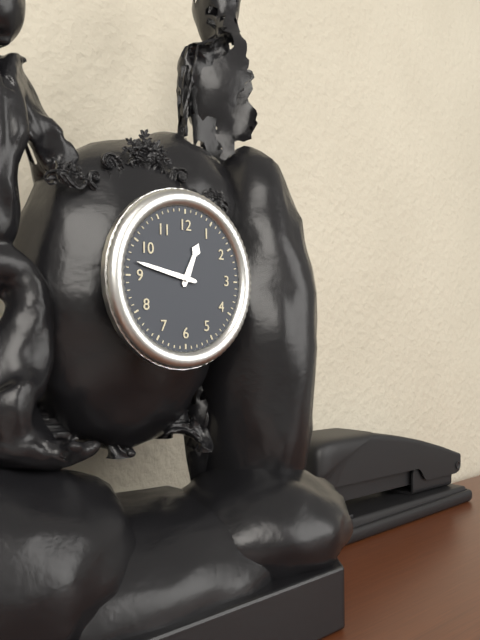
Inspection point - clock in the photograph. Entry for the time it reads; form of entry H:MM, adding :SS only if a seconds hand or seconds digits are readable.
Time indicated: 12:47
